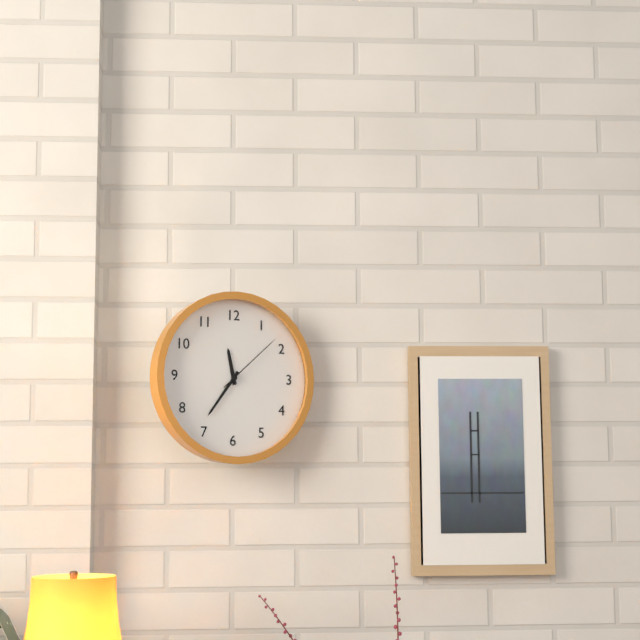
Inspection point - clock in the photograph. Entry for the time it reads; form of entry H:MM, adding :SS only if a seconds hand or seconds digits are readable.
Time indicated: 11:36:08
